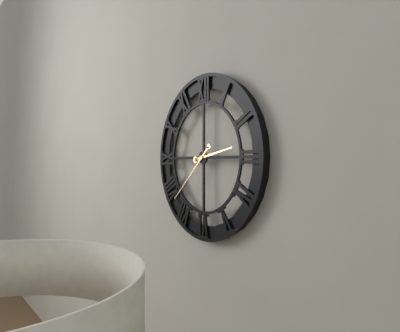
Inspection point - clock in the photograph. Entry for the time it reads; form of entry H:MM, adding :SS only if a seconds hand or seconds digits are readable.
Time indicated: 2:38
